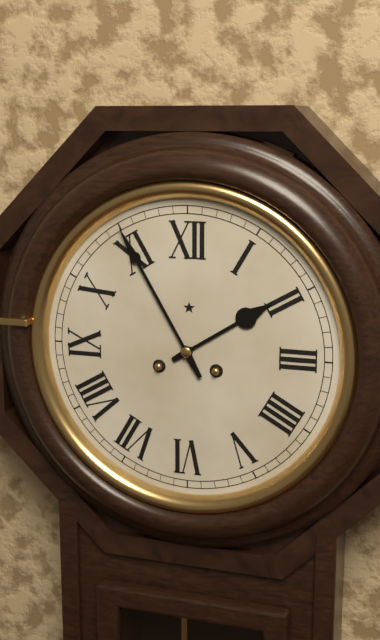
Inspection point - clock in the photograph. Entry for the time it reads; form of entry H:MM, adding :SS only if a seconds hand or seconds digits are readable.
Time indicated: 1:55
